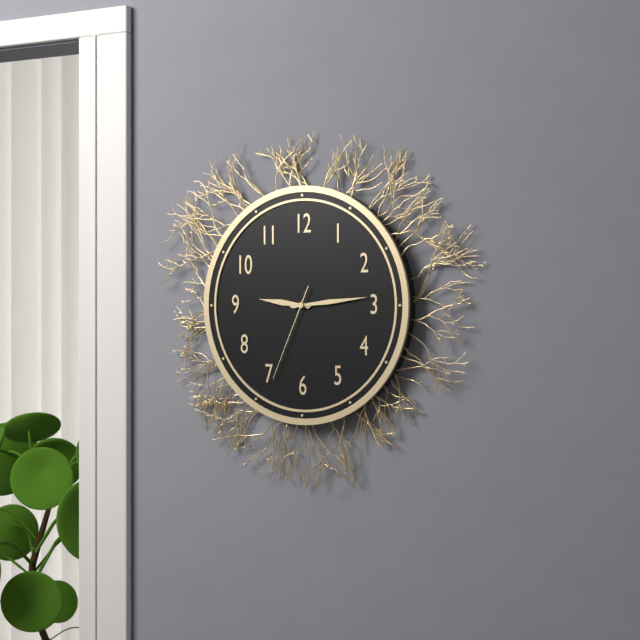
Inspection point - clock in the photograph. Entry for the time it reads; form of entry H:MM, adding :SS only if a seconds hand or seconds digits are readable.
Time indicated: 9:14:34
